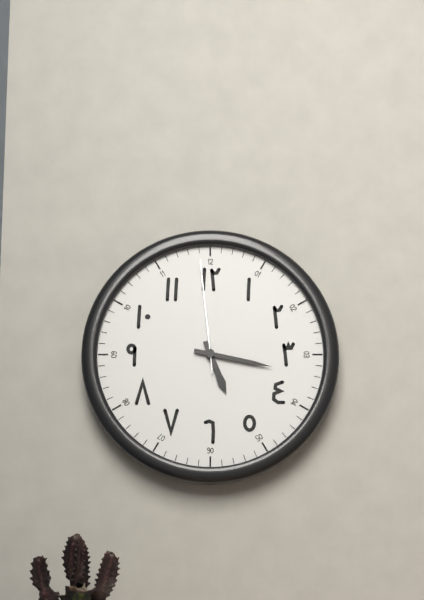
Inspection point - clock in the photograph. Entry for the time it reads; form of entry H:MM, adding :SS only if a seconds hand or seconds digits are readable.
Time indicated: 5:17:59
